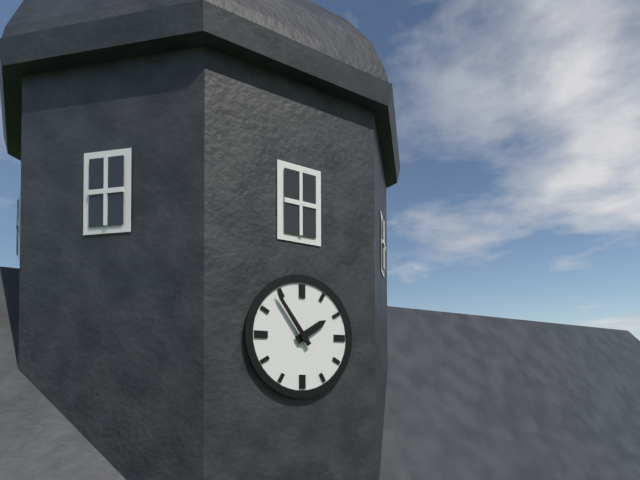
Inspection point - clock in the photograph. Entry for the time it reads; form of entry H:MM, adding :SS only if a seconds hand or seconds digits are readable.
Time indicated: 1:54
